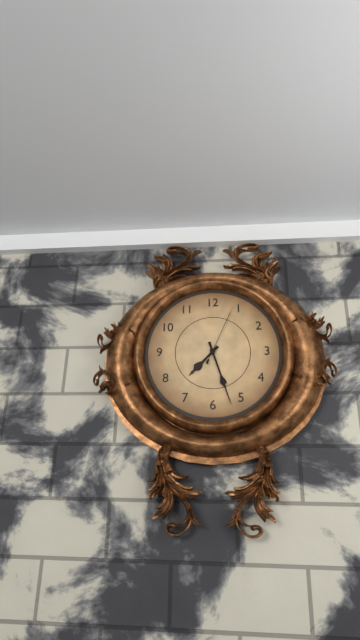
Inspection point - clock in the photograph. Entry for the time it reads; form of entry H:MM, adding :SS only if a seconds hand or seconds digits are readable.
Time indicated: 7:27:04
